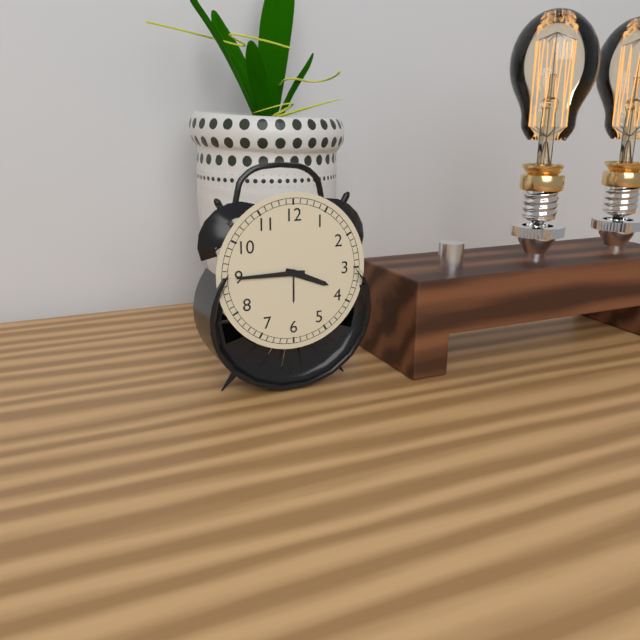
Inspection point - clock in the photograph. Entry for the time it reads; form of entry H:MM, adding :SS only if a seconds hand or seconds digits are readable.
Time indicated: 3:45
